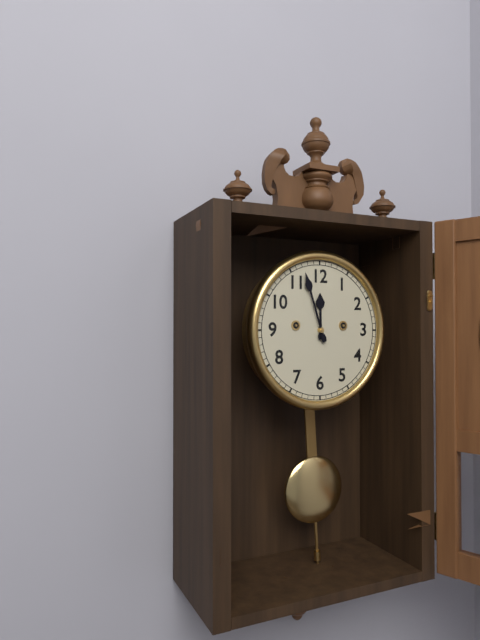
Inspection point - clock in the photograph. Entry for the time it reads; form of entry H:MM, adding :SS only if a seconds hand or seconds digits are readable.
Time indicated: 11:57
